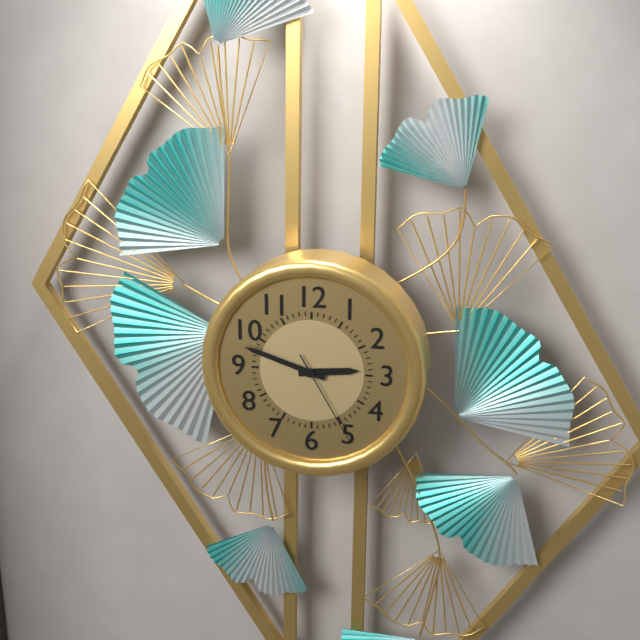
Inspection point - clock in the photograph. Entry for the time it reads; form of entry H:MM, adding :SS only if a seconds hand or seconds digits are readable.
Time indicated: 2:48:25
